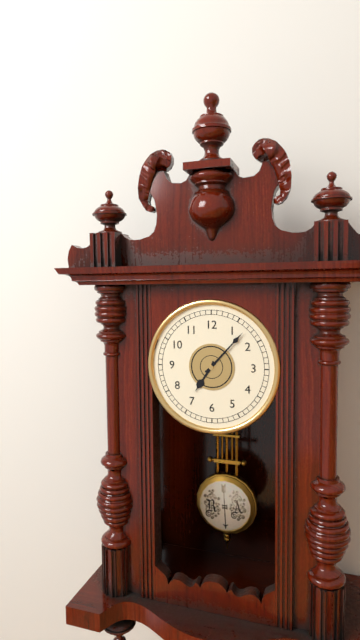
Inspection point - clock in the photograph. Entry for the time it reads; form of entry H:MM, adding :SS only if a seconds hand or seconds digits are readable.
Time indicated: 7:07
